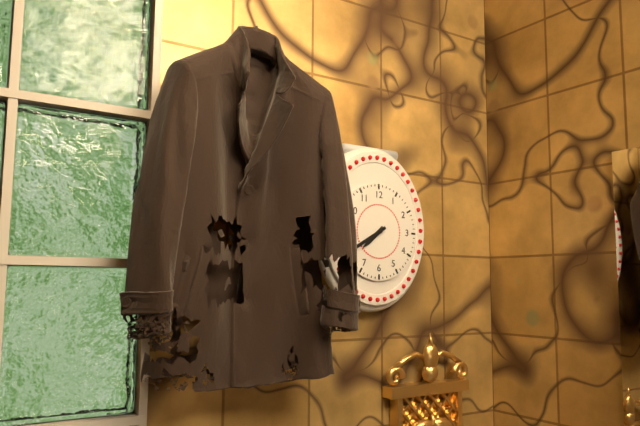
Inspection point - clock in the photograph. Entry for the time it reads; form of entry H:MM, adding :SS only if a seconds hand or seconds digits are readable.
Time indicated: 7:40
